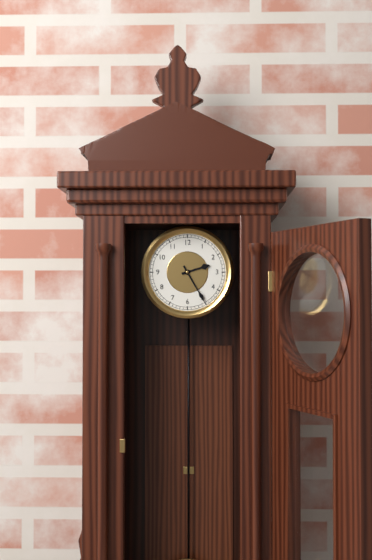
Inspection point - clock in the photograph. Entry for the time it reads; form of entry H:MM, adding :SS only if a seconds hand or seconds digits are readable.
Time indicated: 2:25
